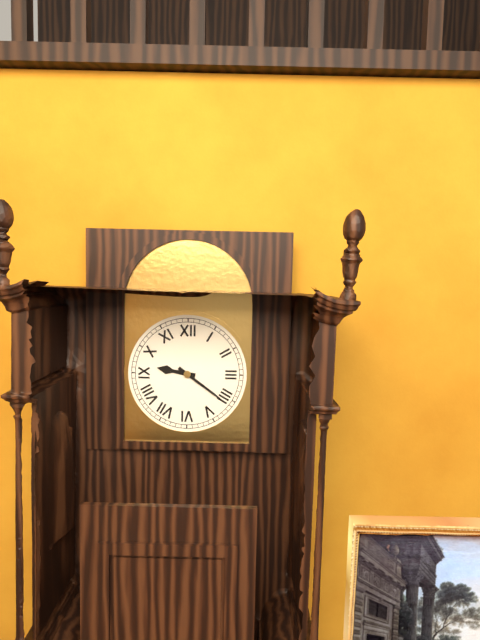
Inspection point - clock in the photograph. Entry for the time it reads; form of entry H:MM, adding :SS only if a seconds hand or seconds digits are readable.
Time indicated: 9:21
